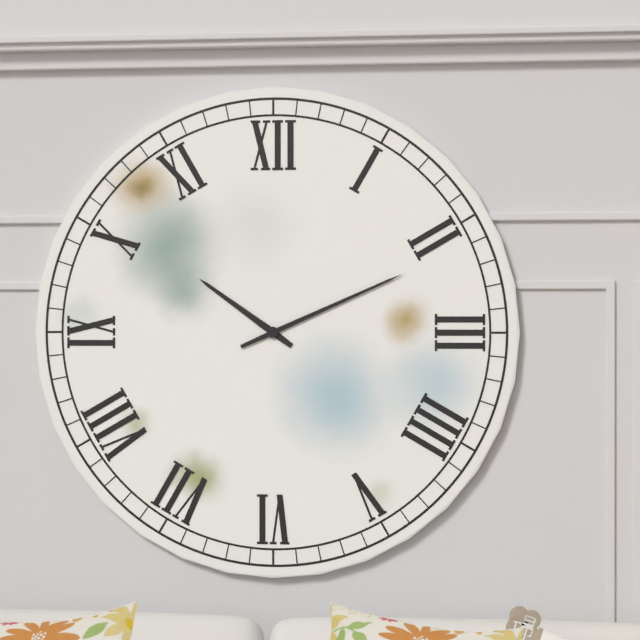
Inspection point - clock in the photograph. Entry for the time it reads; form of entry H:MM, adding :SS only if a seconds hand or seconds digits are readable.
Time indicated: 10:11
